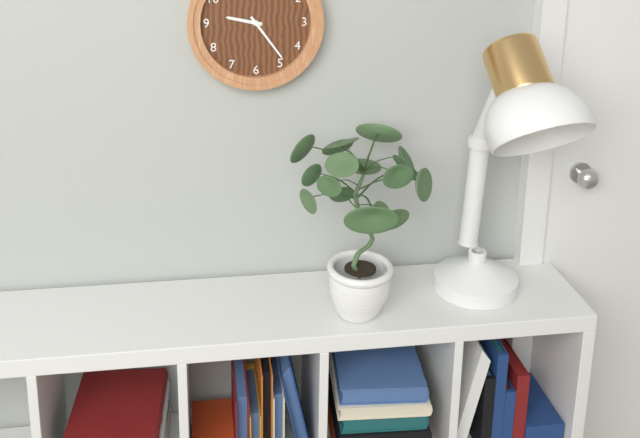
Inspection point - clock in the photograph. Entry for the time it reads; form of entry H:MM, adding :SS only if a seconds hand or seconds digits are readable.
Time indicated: 9:24
